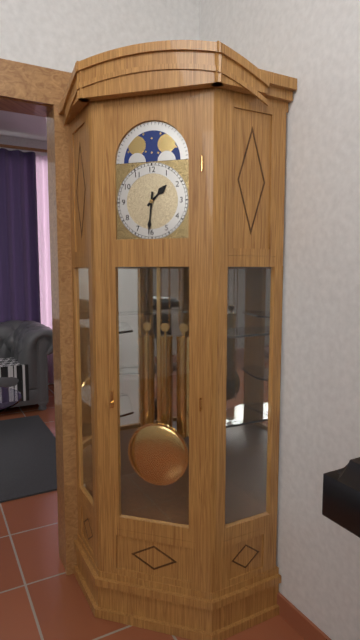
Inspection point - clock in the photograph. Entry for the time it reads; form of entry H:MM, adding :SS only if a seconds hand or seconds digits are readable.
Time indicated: 1:31
